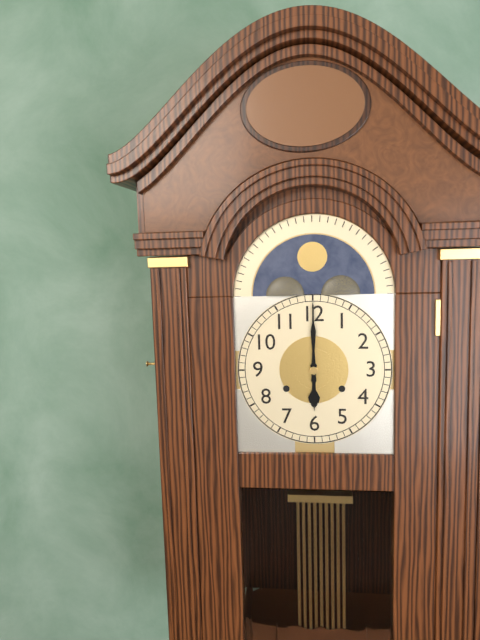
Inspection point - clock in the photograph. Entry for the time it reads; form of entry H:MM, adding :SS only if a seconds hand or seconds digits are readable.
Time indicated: 6:00
